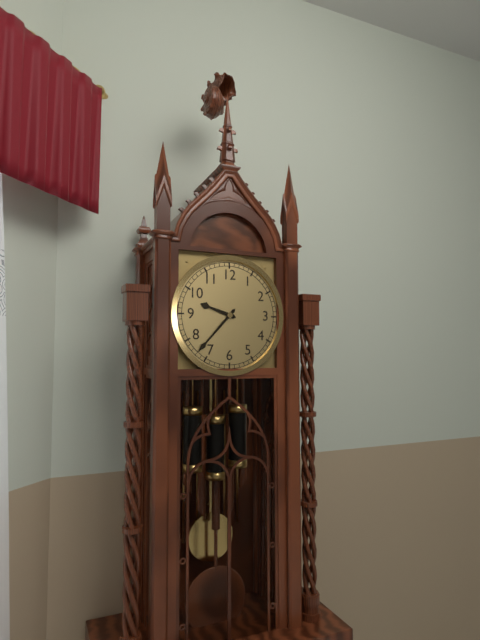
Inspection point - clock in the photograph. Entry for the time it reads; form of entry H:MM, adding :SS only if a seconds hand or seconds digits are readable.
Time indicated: 9:37
